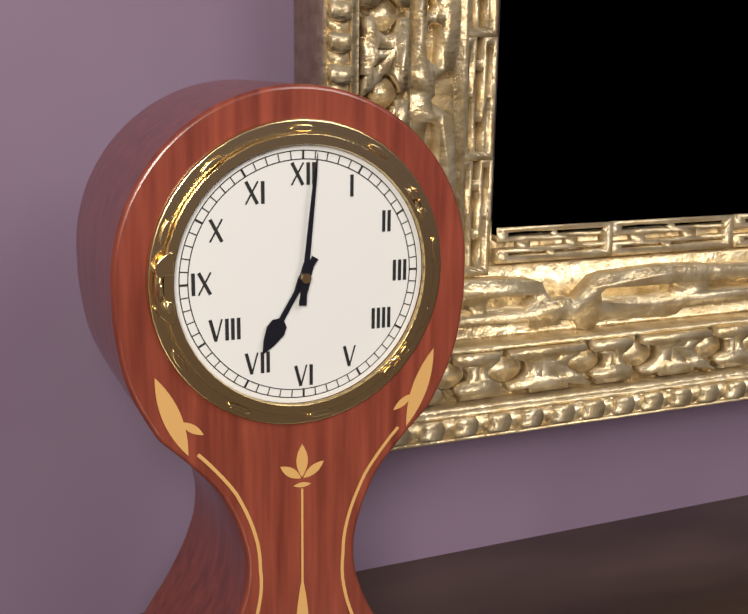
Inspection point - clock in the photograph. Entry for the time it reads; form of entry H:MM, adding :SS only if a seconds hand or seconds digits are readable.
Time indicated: 7:01
